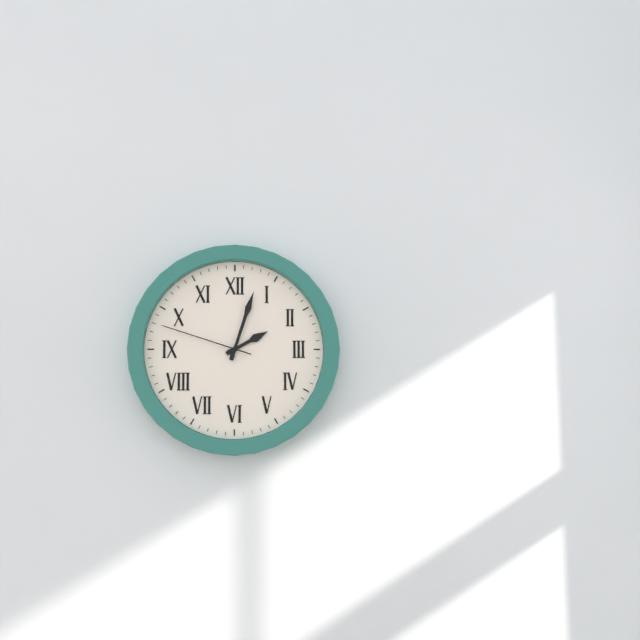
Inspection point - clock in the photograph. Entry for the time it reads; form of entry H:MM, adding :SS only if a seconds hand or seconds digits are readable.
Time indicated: 2:03:48
